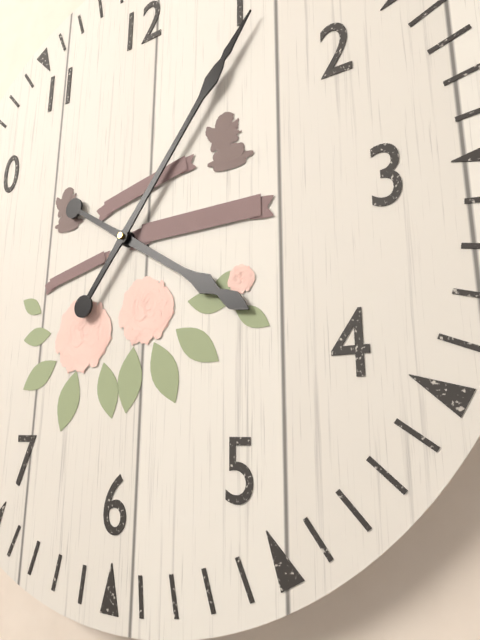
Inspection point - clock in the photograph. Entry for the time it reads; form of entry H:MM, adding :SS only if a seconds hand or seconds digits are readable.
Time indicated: 4:06
